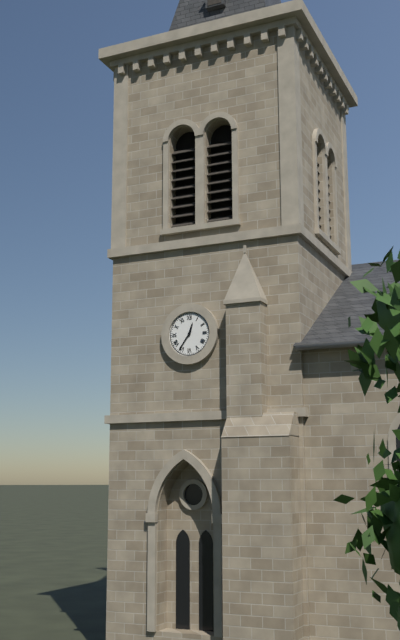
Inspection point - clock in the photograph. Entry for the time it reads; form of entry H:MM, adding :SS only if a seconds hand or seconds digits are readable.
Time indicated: 12:36
